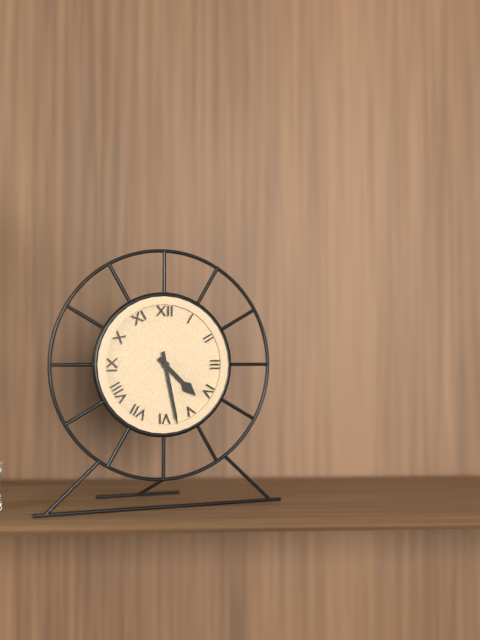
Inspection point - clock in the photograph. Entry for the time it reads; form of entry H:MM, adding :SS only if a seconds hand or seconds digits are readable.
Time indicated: 4:28
